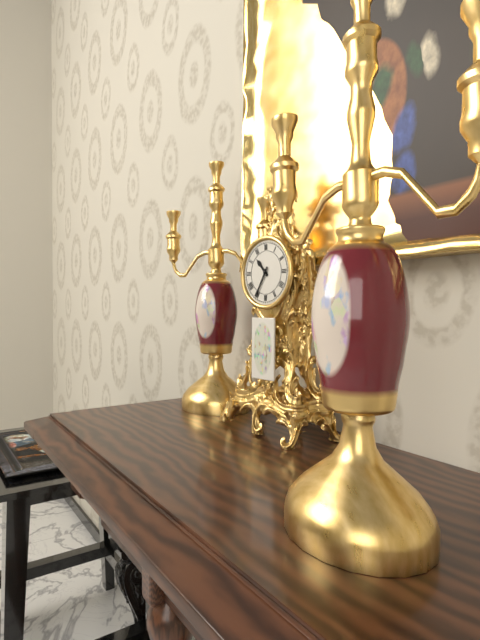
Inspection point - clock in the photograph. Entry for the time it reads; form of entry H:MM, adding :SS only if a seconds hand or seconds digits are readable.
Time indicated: 10:35
